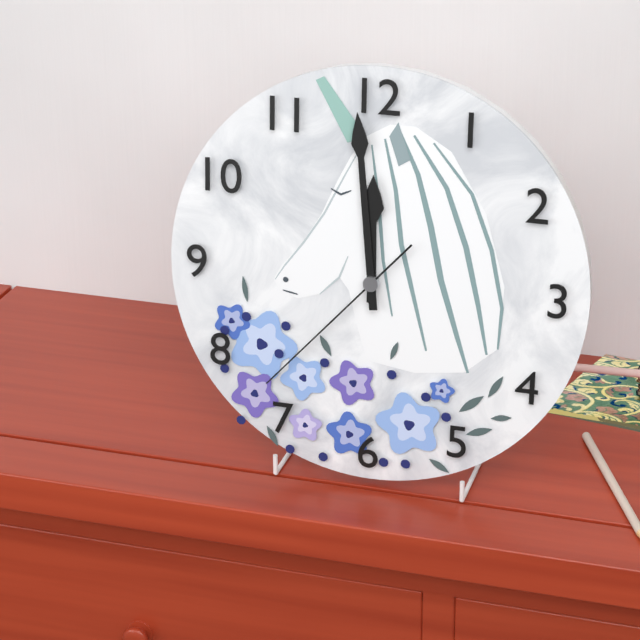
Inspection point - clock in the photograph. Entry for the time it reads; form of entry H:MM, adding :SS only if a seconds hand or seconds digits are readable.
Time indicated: 11:59:37
